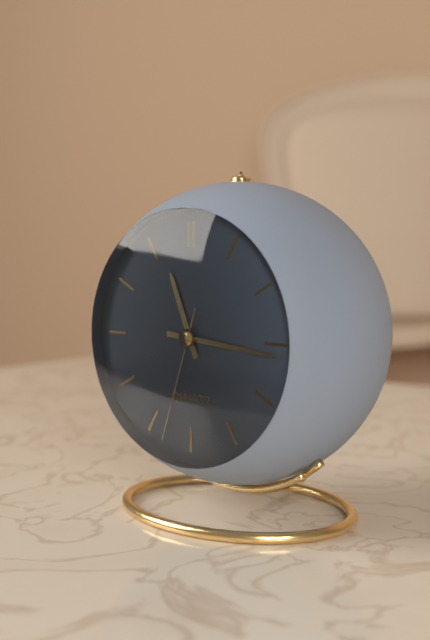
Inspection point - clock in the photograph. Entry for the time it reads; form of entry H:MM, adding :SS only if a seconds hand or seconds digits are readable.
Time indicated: 11:16:33
